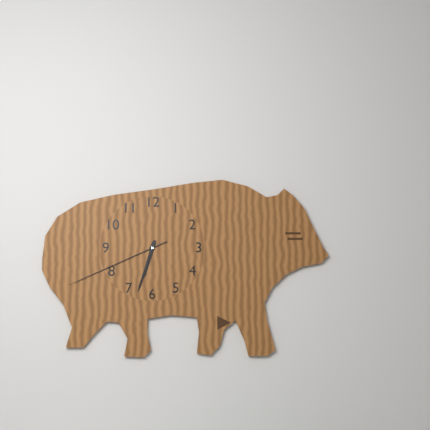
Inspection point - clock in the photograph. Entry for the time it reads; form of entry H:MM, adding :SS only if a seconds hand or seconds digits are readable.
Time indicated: 6:33:41
